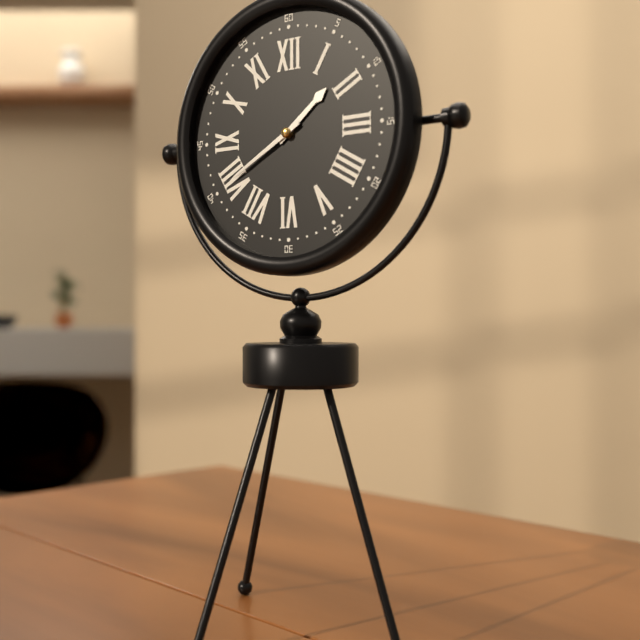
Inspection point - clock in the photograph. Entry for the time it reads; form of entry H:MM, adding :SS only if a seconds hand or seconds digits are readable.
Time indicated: 1:40
